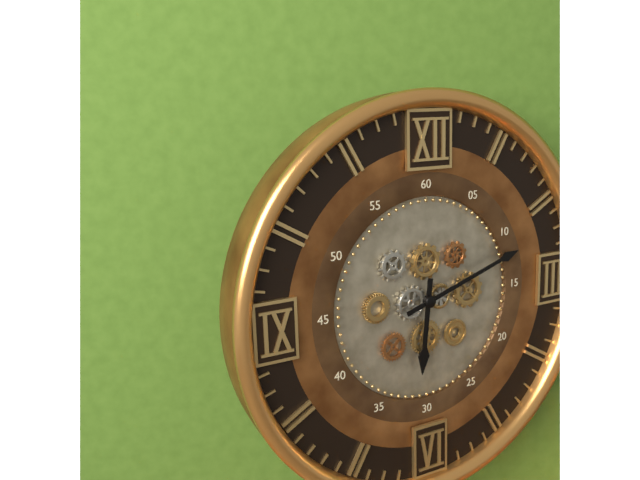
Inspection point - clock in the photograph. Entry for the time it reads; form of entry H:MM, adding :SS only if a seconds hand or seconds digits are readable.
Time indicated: 6:12
